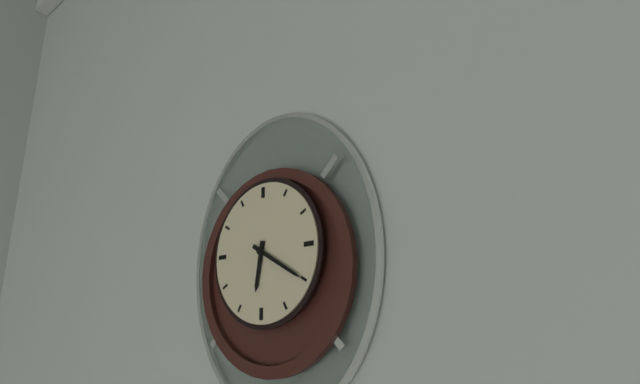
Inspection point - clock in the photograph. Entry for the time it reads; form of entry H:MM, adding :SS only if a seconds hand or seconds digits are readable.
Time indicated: 6:20
